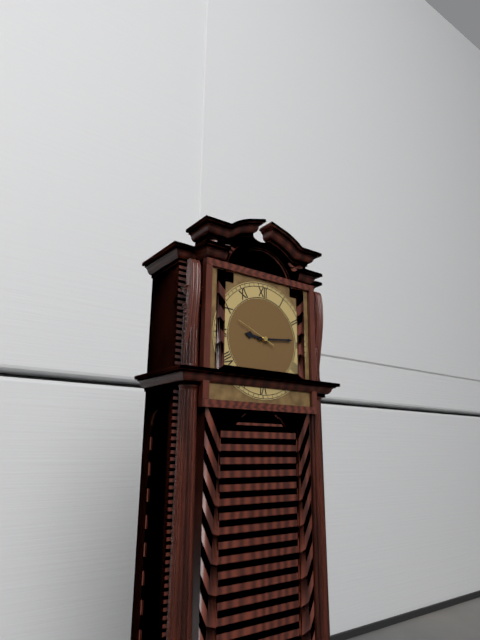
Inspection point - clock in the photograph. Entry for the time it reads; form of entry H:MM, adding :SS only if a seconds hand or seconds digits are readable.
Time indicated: 9:14
